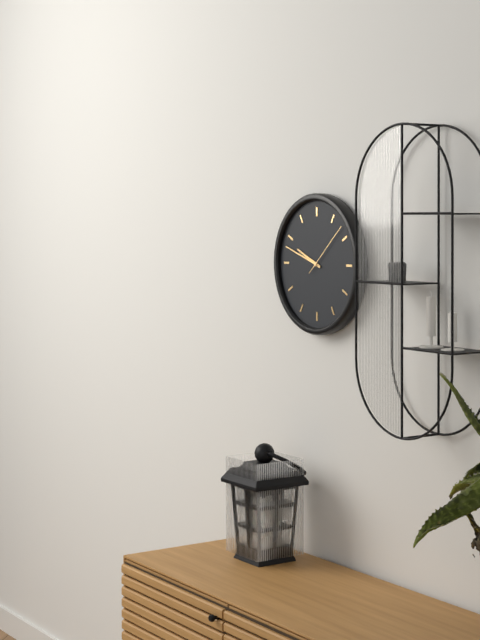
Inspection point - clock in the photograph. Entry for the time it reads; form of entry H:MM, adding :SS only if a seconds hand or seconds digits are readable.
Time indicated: 9:48:08
